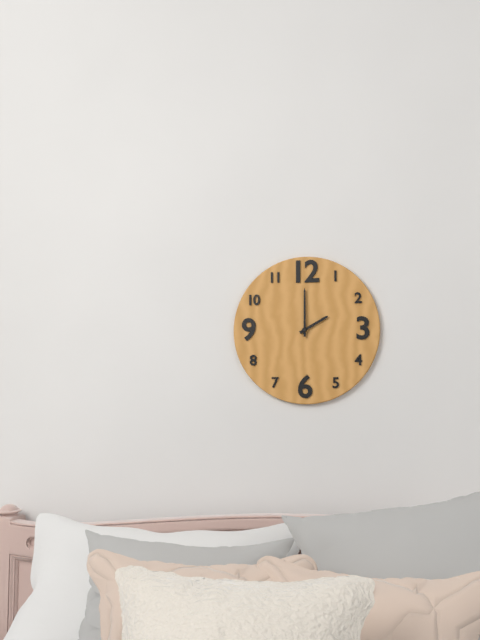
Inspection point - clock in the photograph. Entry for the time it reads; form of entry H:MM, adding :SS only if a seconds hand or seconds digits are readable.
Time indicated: 2:00
